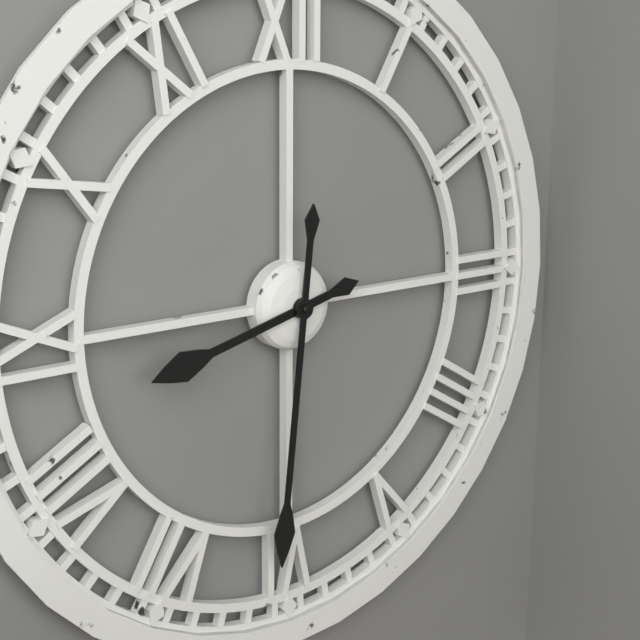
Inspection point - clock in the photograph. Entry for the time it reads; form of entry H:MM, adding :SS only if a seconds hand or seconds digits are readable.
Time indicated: 8:31
